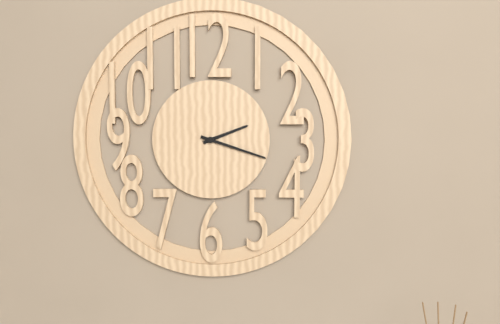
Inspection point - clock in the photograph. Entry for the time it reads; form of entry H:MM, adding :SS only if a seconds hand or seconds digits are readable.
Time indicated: 2:18
